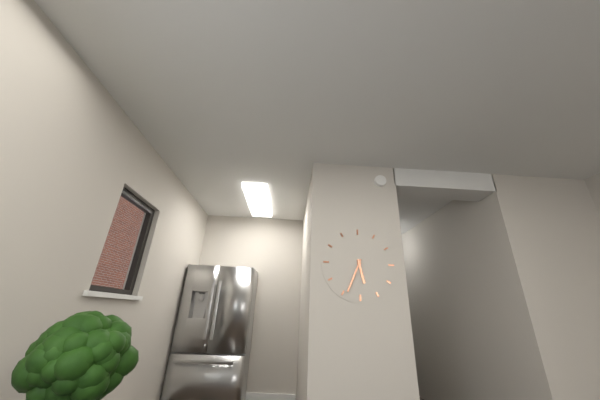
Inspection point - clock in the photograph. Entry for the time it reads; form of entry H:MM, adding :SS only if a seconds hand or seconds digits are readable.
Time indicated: 5:34
